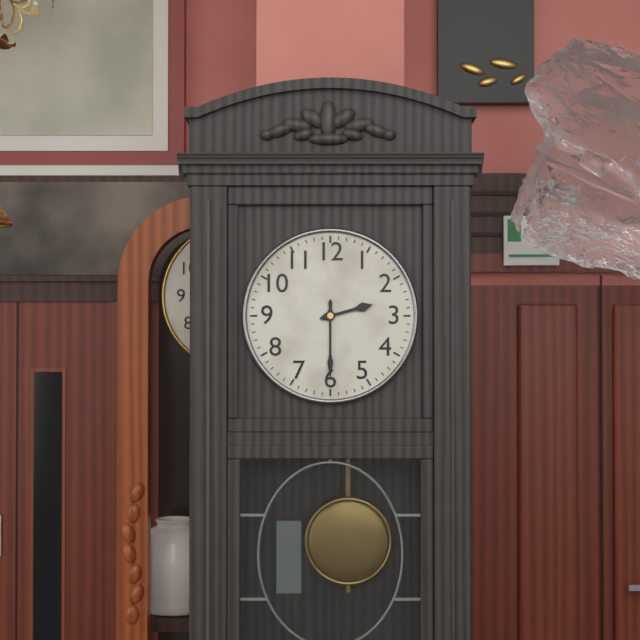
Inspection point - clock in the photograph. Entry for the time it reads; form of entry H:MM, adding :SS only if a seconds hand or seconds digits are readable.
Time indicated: 2:30
